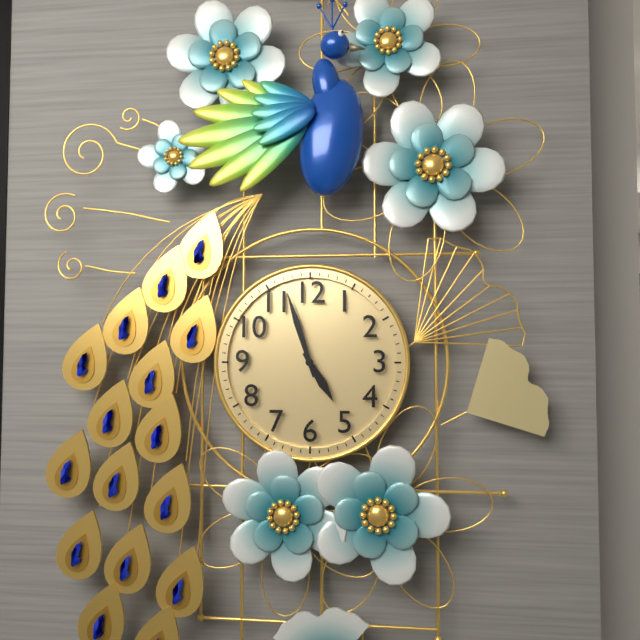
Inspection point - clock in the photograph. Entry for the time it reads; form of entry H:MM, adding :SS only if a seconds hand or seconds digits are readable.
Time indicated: 4:57
